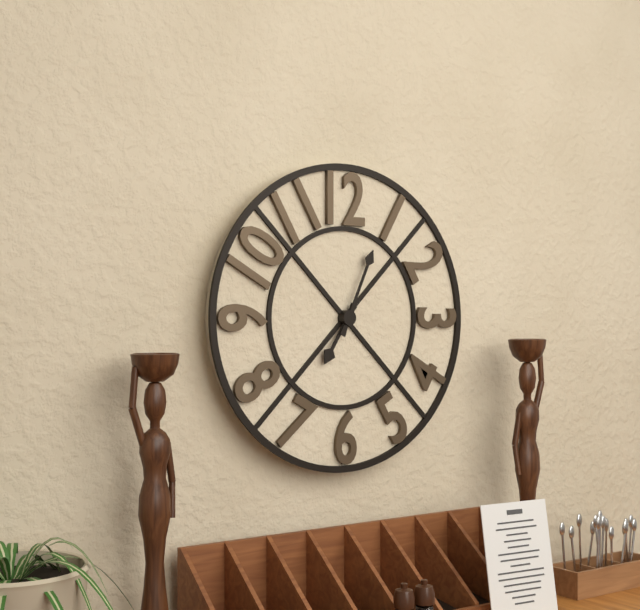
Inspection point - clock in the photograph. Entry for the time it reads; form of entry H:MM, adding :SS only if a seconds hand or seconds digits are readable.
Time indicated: 7:04
